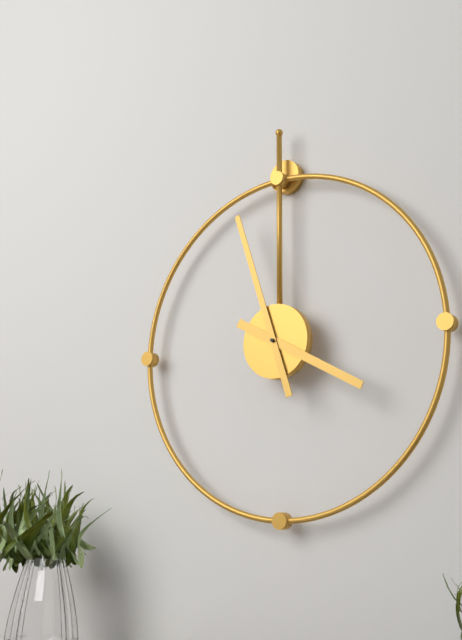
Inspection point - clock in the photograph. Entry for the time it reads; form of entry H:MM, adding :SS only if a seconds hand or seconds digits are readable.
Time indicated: 3:57
